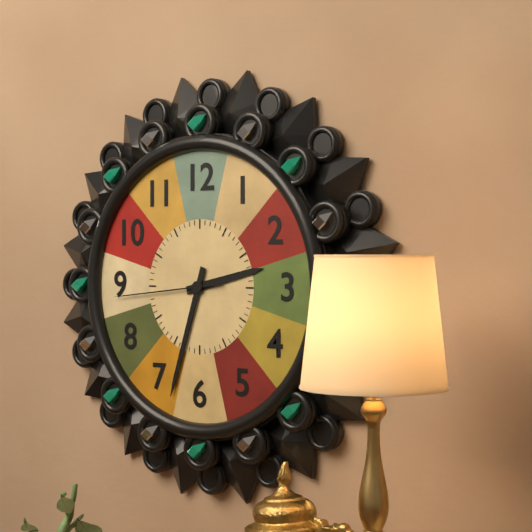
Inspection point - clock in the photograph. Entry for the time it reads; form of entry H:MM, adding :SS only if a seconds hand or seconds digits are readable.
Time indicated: 2:33:44
